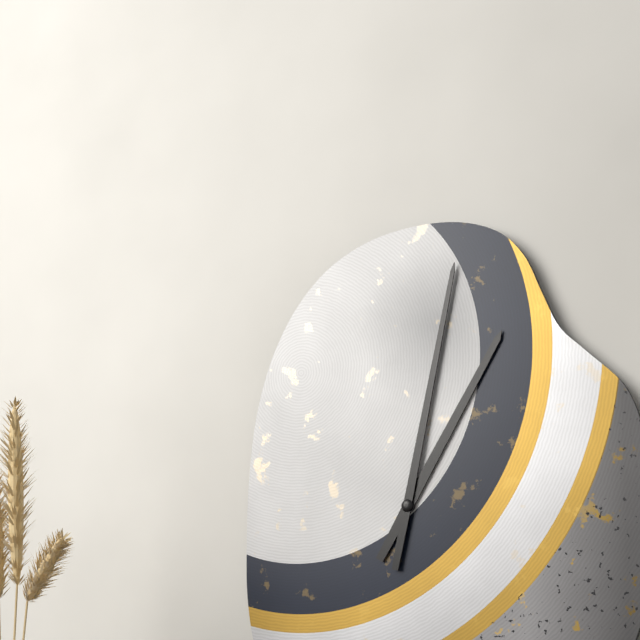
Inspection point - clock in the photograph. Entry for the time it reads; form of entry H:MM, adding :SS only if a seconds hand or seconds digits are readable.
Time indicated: 1:02
